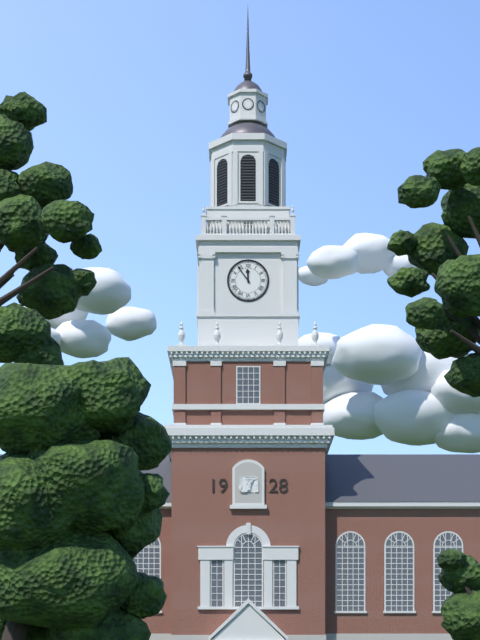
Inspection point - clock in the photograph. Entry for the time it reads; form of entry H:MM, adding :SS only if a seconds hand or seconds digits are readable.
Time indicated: 11:54
